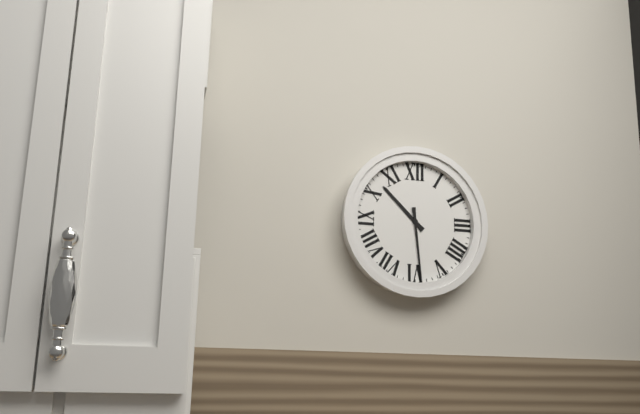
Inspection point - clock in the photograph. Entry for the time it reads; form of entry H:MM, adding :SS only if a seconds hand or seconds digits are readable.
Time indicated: 10:29
